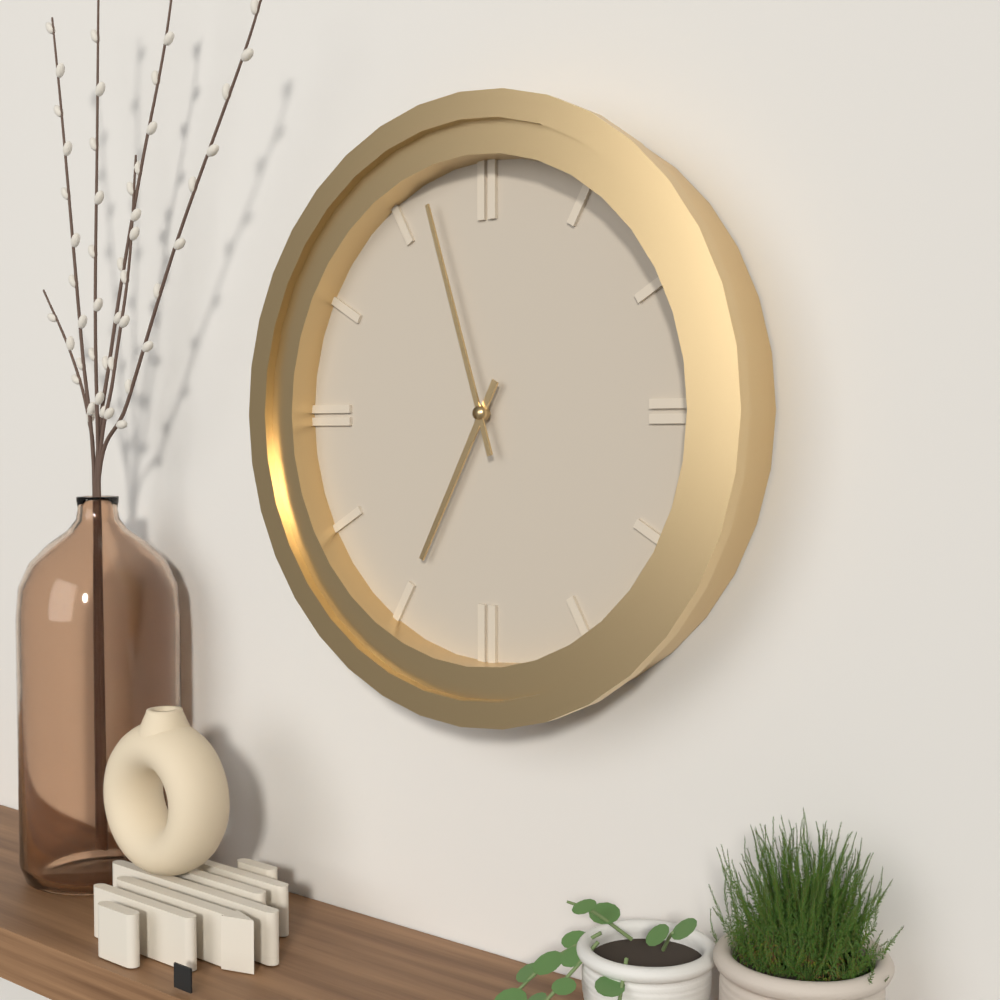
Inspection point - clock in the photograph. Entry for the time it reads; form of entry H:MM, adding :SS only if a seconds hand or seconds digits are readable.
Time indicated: 6:57
